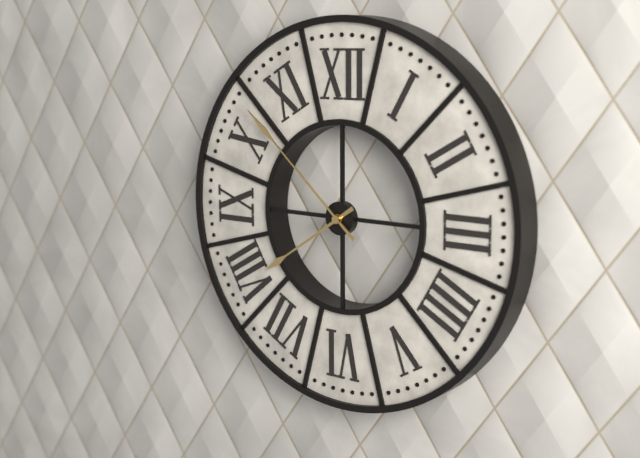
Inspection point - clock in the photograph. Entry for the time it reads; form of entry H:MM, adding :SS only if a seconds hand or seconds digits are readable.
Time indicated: 7:52
